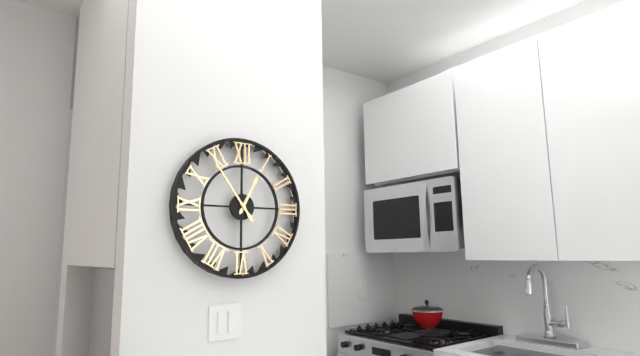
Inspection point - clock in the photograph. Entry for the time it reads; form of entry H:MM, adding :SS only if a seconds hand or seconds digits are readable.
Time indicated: 12:54
